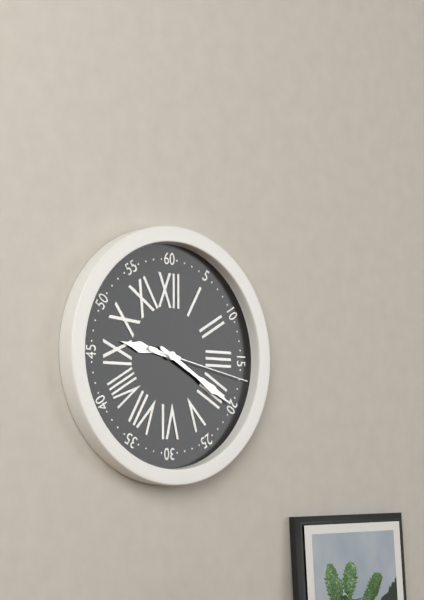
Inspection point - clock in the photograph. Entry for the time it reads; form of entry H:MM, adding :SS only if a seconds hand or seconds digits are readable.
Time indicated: 9:20:17
